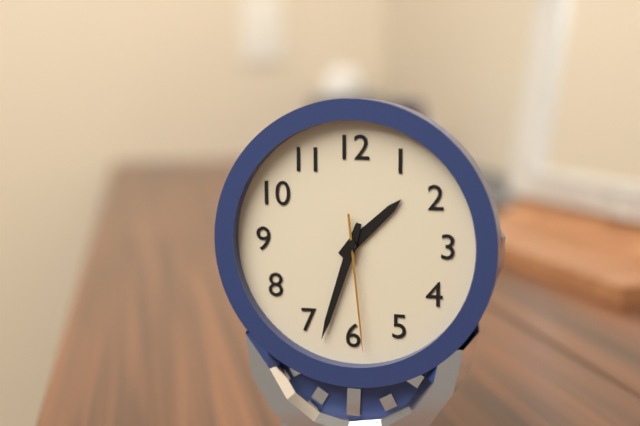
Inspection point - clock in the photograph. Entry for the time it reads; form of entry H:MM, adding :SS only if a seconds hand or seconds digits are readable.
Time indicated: 1:33:29
